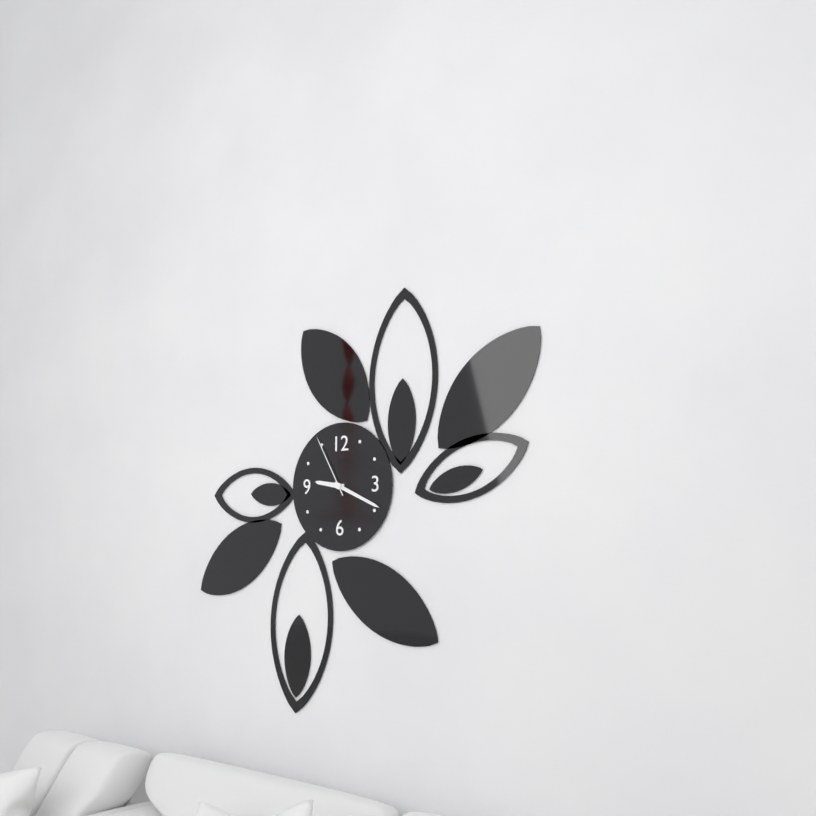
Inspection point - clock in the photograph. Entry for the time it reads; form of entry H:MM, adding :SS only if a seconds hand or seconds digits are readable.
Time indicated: 9:19:55
